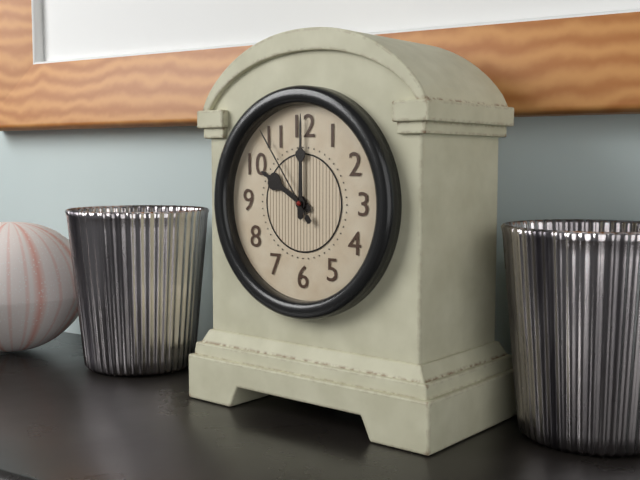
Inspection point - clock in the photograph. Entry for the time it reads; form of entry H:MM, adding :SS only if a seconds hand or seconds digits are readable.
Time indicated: 10:00:54
